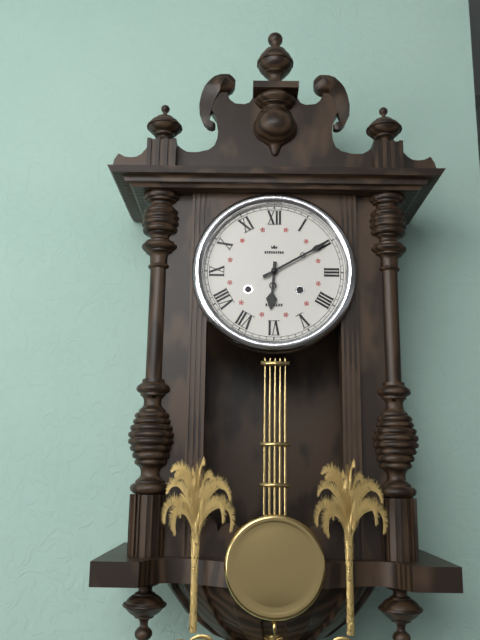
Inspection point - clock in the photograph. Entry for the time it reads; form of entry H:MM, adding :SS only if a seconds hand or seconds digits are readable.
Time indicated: 6:10
